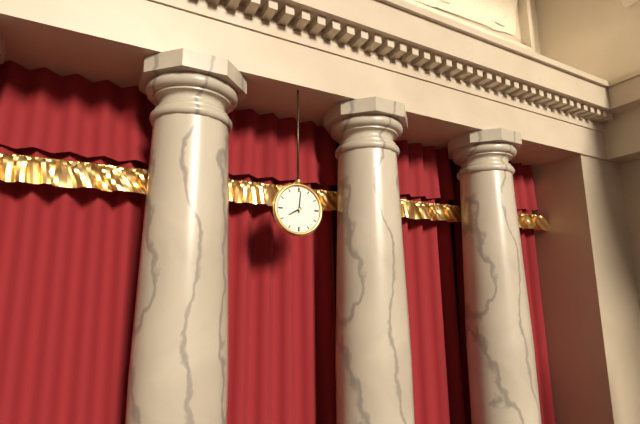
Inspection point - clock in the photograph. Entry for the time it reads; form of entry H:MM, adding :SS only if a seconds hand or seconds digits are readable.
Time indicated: 8:01
